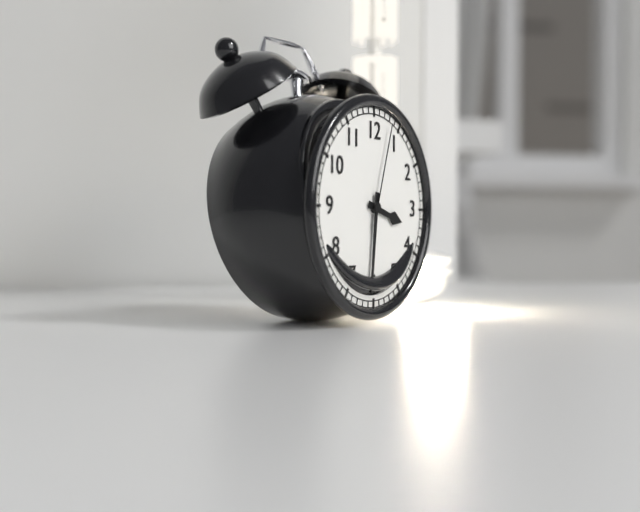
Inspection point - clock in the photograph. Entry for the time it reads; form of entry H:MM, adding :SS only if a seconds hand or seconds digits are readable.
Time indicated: 3:31:03
